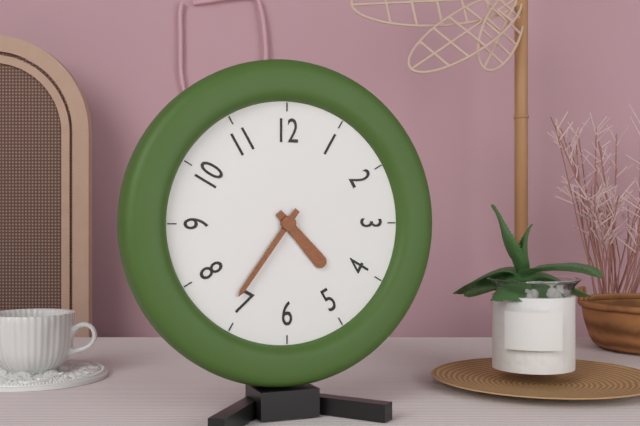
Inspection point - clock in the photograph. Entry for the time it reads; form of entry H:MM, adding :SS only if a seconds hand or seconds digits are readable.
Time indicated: 4:36
